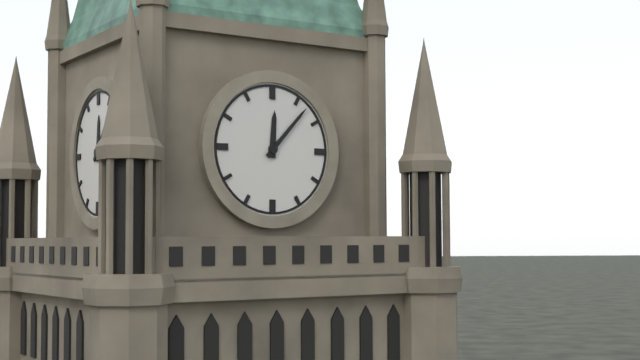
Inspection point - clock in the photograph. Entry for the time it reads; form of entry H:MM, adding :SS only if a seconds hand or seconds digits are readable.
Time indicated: 12:07
